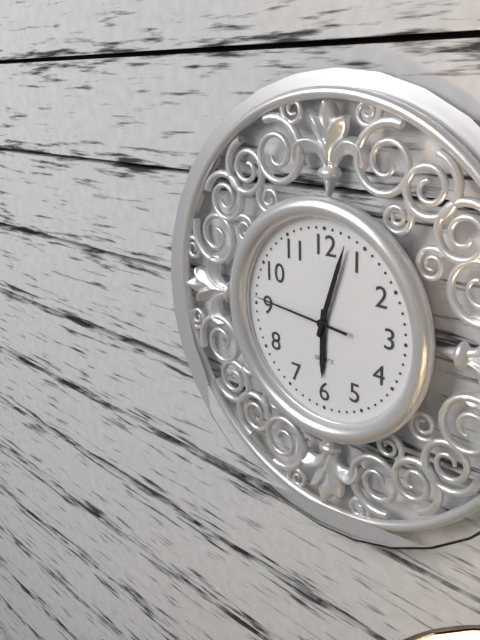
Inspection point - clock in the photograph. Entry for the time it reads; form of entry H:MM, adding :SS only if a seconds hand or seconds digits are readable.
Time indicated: 6:03:46
